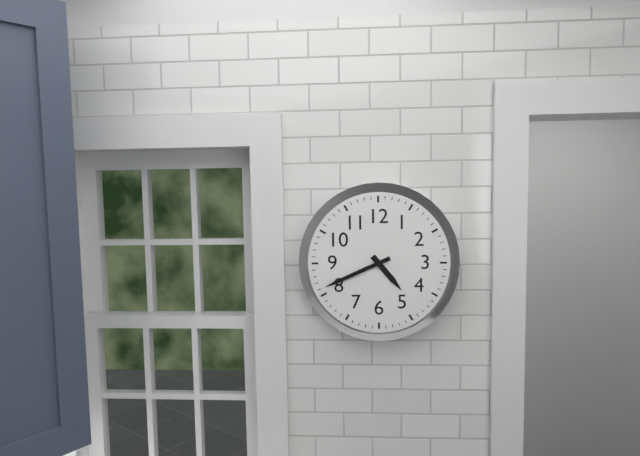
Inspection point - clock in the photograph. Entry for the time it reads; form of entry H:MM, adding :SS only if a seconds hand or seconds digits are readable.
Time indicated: 4:41
